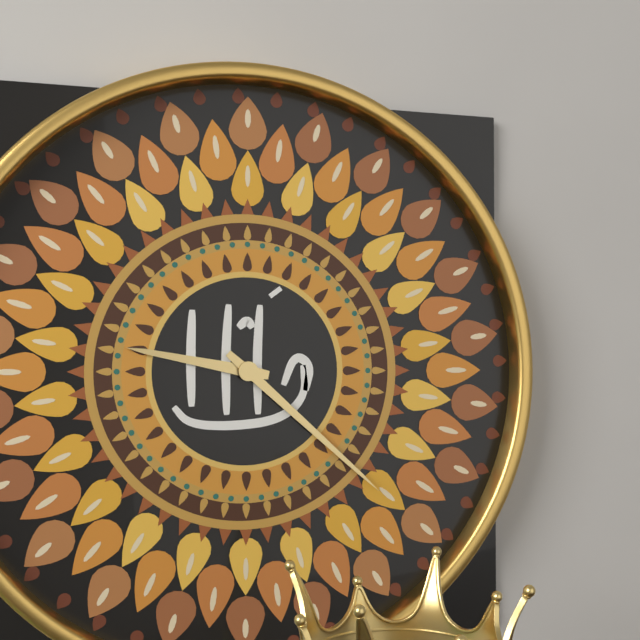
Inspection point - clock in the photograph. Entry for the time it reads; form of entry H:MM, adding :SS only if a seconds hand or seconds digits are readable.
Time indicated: 9:22
